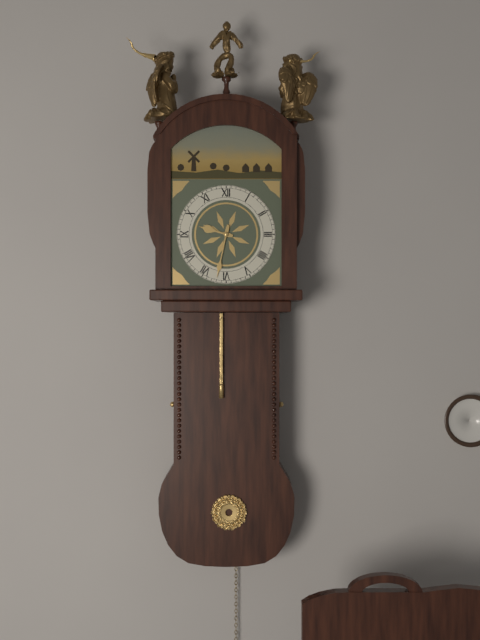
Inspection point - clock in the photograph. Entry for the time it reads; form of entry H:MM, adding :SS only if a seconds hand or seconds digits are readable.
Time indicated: 9:32
